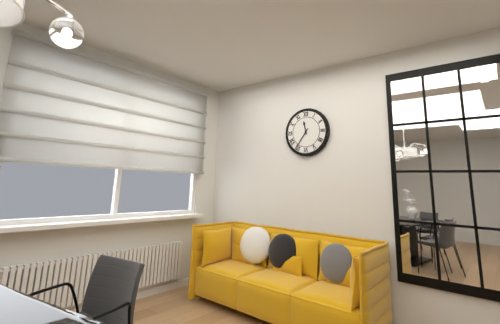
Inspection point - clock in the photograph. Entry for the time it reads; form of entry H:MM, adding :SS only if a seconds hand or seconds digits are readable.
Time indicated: 11:36
